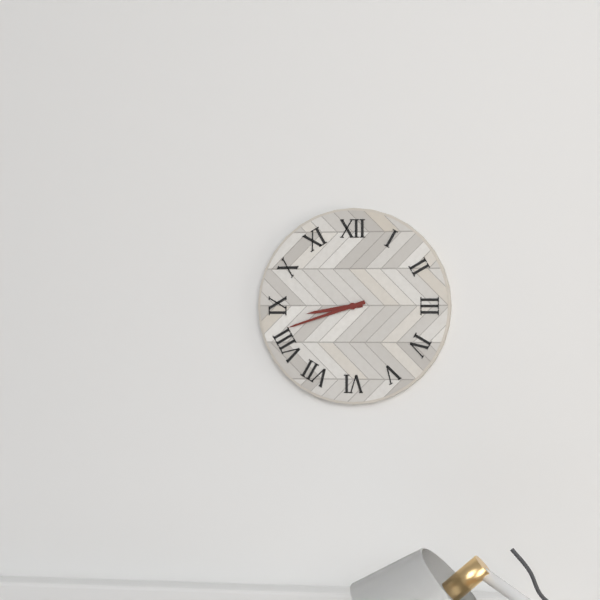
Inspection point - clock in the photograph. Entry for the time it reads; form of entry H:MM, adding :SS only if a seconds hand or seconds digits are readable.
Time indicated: 8:42
